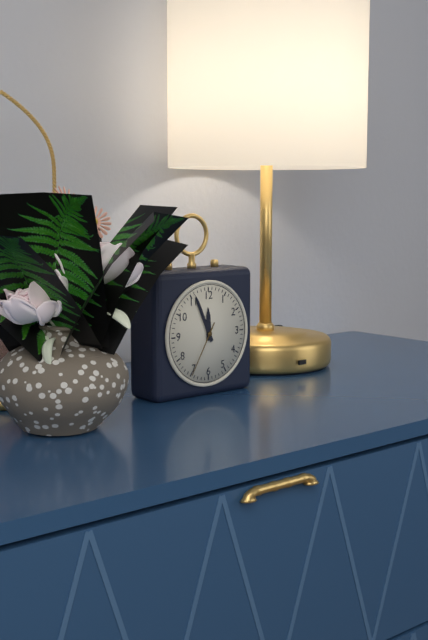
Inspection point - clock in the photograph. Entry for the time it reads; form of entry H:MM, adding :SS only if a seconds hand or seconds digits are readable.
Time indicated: 11:56:35
